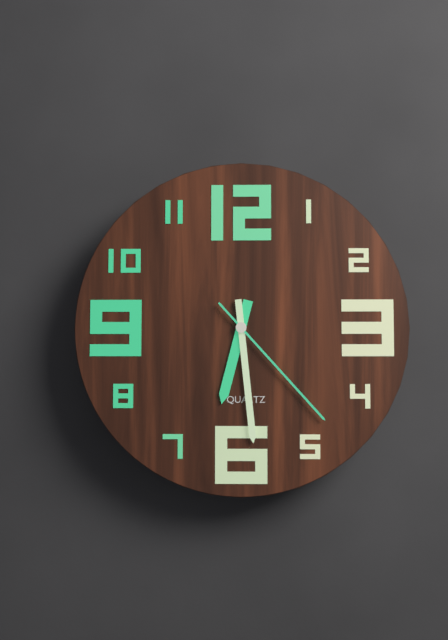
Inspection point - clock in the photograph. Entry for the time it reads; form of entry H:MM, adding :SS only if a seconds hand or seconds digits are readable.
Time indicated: 6:29:23
